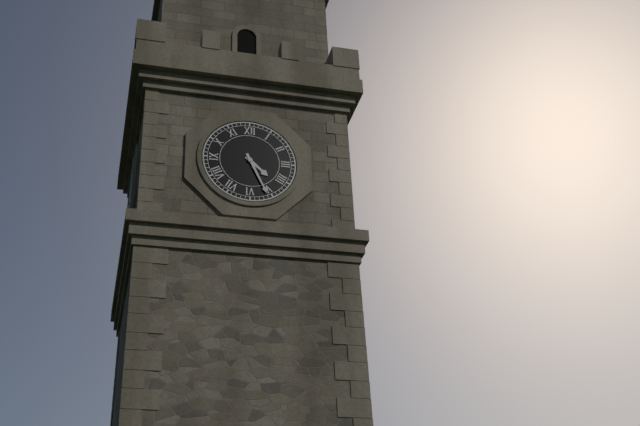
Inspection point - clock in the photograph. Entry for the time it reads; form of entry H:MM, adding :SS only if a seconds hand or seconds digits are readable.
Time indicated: 4:26
